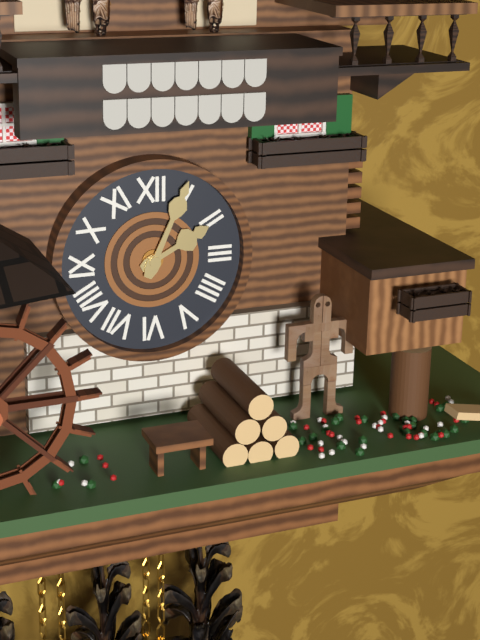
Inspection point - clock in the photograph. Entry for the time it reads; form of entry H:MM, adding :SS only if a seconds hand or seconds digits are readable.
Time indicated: 2:04
